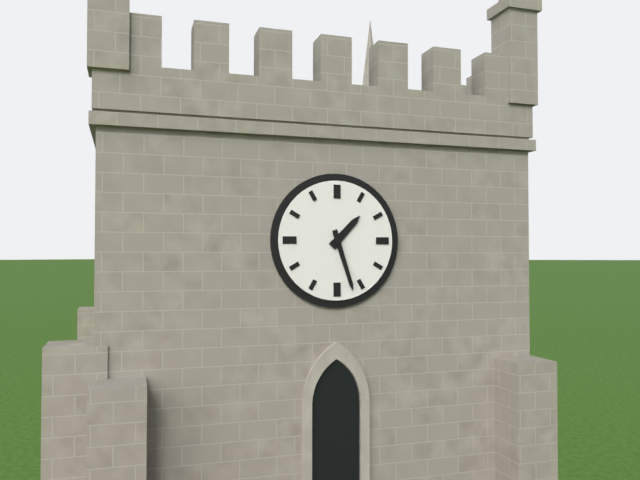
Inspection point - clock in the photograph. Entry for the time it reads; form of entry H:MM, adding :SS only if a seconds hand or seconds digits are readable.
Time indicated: 1:27
